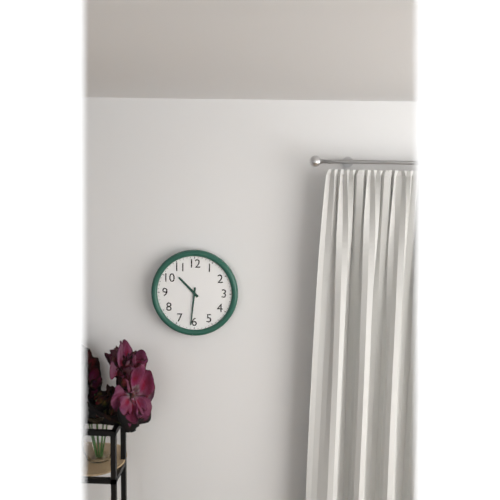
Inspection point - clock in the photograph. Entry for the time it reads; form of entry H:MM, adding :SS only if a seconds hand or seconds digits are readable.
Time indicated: 10:31
